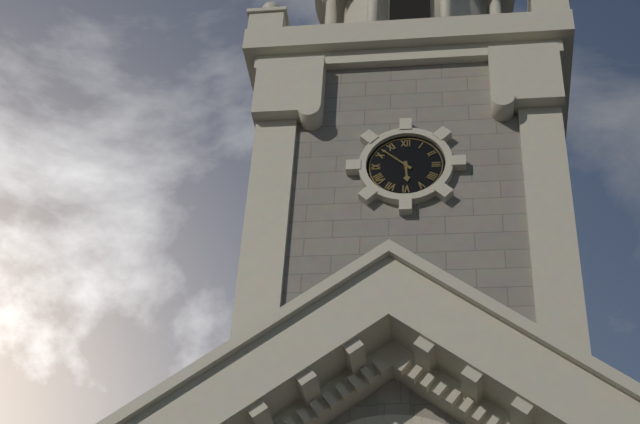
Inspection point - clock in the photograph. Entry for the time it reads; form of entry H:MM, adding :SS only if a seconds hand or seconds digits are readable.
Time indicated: 5:52
